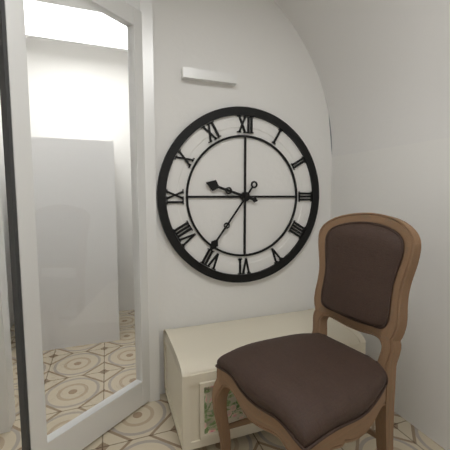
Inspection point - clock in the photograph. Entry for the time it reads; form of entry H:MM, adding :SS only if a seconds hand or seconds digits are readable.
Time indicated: 9:36
